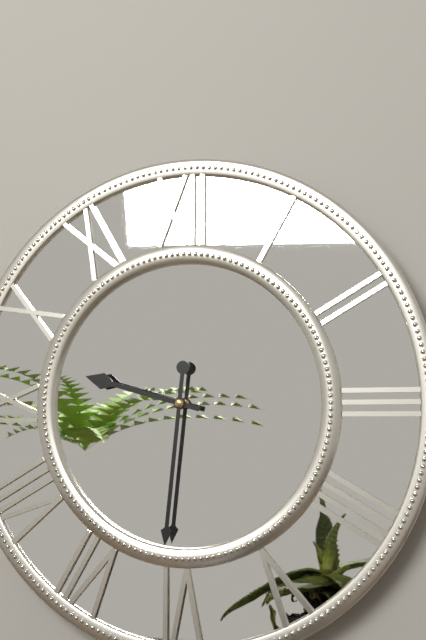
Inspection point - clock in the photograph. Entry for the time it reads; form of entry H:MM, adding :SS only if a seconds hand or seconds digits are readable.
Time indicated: 9:31
